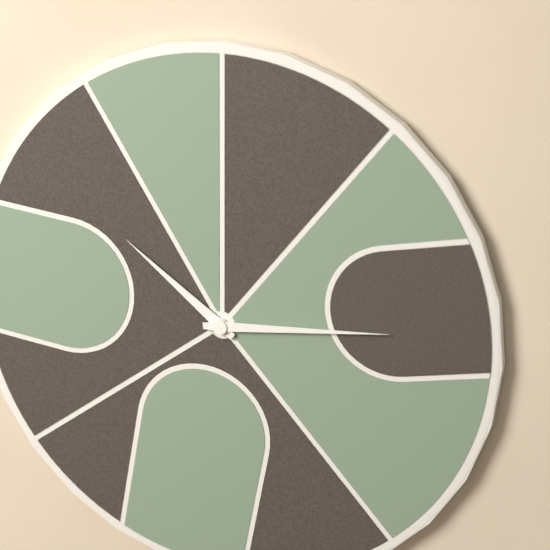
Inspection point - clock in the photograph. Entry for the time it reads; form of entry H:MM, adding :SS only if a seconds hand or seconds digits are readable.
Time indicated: 10:14
